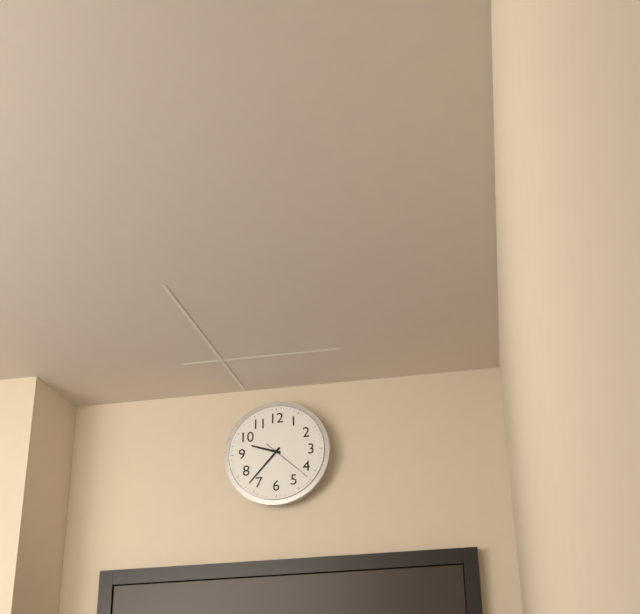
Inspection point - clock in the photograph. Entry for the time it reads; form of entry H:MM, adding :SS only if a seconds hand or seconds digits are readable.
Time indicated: 9:37:22
